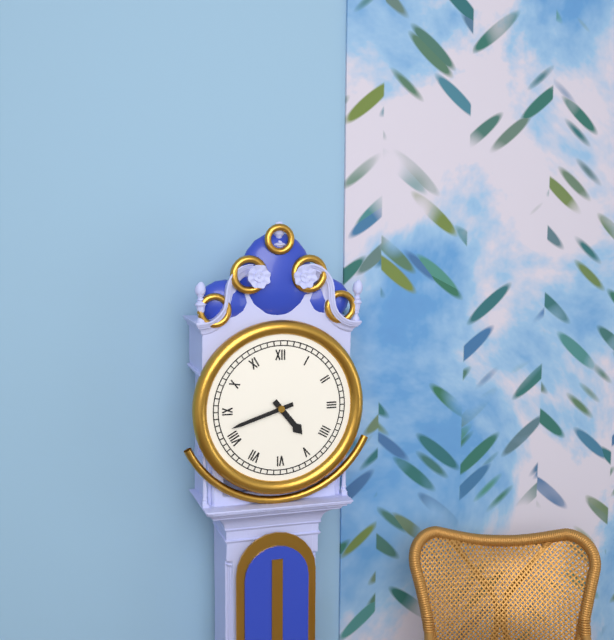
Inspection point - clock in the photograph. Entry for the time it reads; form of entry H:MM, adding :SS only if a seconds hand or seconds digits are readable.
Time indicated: 4:42
